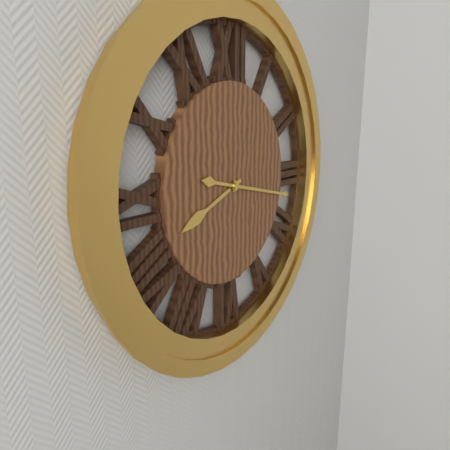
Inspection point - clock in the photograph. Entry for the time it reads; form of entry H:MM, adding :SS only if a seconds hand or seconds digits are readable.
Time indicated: 8:17
